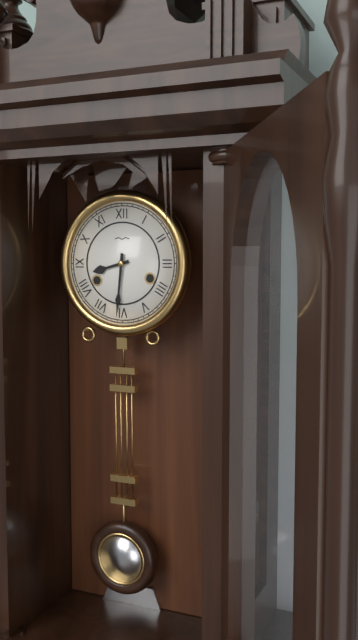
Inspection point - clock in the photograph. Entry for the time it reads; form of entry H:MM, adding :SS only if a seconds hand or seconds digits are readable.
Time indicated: 8:31
